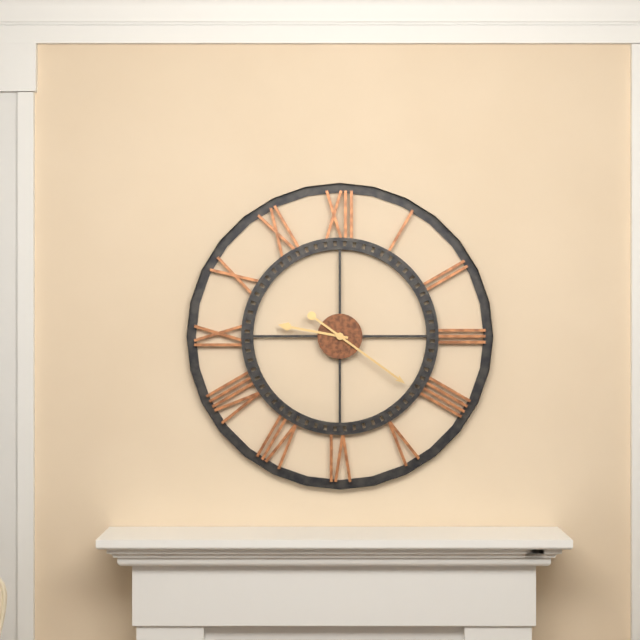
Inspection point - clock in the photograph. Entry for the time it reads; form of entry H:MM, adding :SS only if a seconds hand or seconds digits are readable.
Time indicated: 9:21
